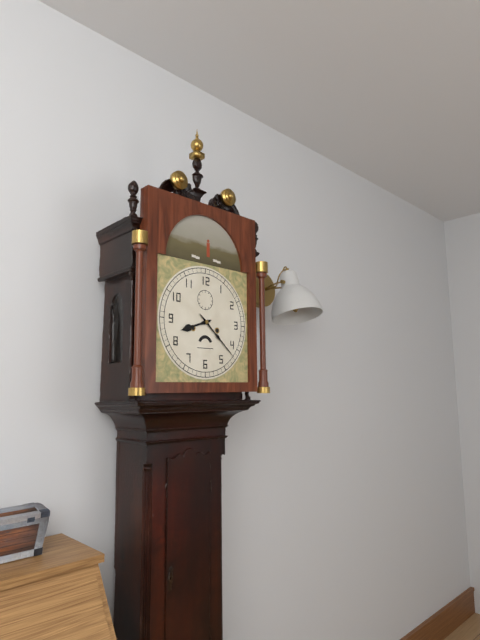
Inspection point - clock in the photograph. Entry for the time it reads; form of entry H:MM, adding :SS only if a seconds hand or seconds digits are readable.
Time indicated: 8:22
